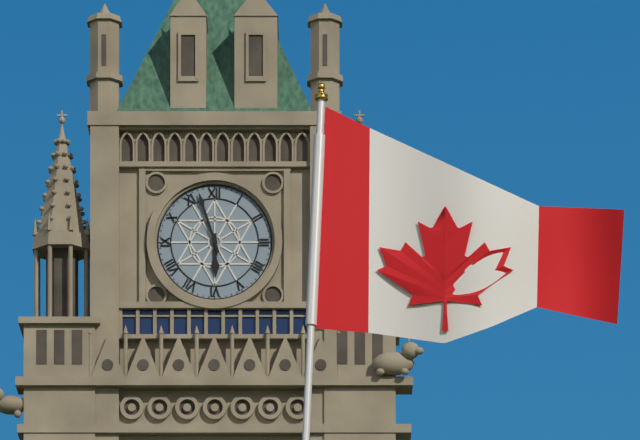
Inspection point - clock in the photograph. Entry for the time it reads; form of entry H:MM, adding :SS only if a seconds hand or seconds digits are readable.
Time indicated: 5:57
